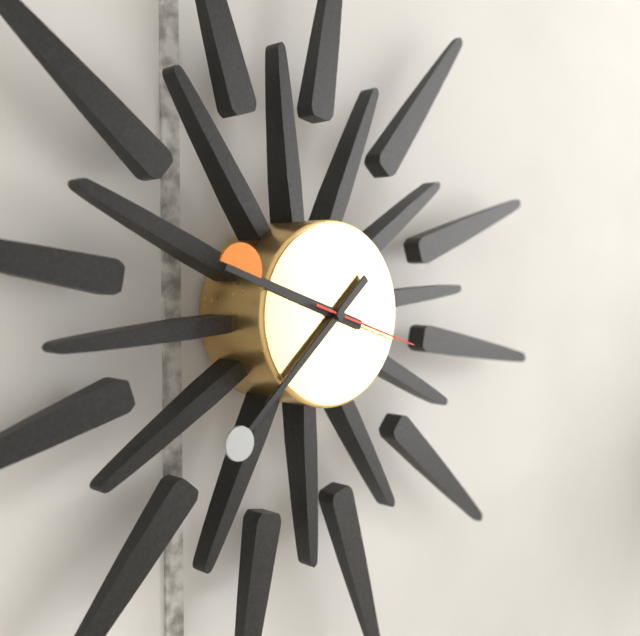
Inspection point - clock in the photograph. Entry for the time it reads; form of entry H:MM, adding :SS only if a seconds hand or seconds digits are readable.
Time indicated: 9:38:18
